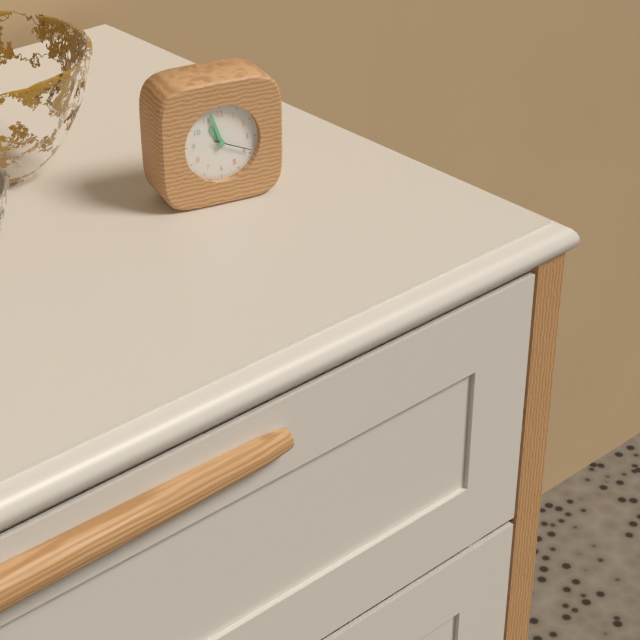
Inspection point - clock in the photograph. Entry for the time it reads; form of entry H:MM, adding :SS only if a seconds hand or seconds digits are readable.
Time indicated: 10:57
